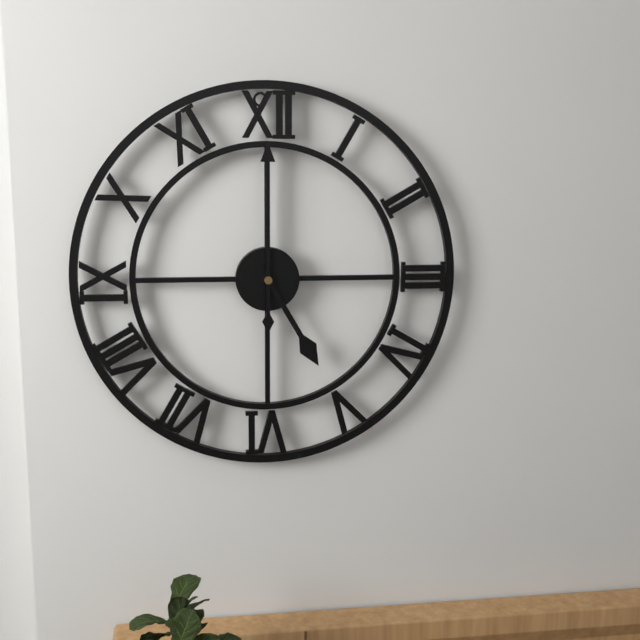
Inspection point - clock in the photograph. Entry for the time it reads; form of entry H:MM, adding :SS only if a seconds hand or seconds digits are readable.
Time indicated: 5:00
